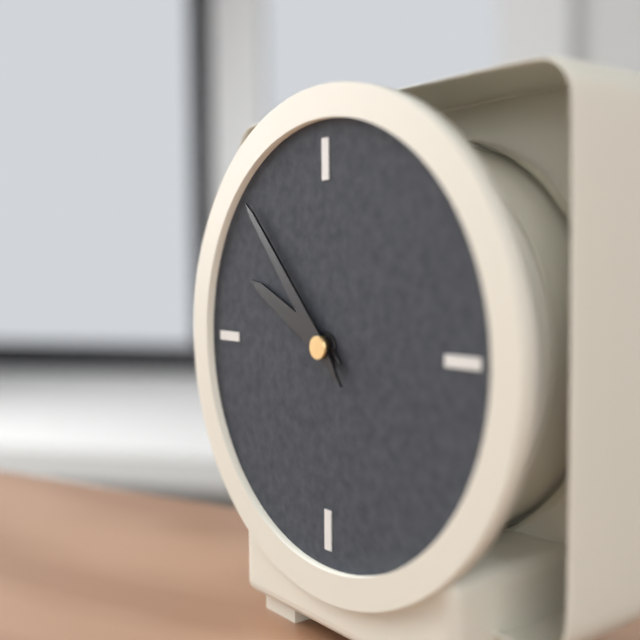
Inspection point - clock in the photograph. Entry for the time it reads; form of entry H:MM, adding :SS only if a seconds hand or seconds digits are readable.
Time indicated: 9:53
